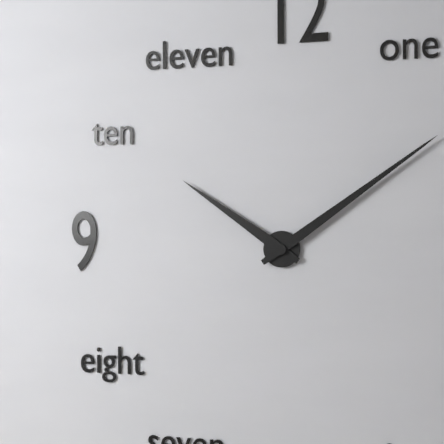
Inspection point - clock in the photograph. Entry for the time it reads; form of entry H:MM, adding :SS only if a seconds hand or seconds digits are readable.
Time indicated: 10:09
